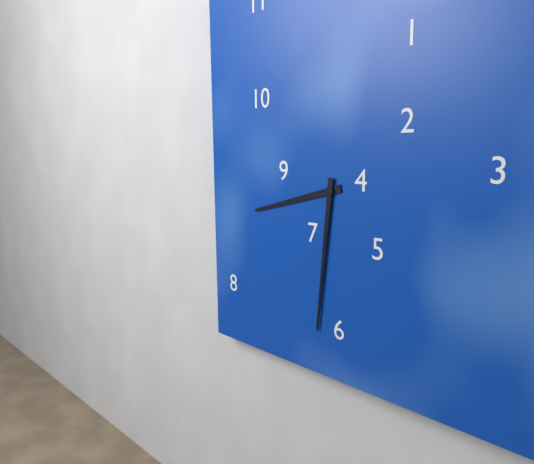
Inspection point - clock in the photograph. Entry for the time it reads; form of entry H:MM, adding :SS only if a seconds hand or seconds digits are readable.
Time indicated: 8:31
